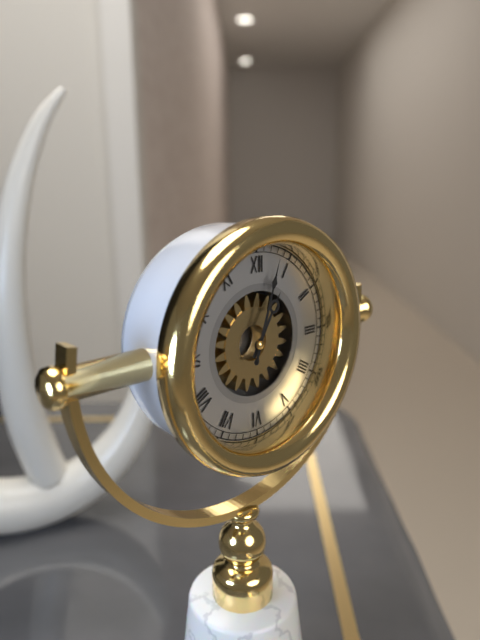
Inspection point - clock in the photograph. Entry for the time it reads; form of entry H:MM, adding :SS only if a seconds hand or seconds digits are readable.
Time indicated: 1:03
